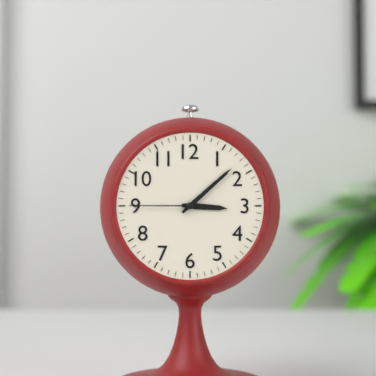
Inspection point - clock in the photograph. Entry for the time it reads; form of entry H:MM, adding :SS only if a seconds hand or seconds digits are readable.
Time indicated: 3:08:45
